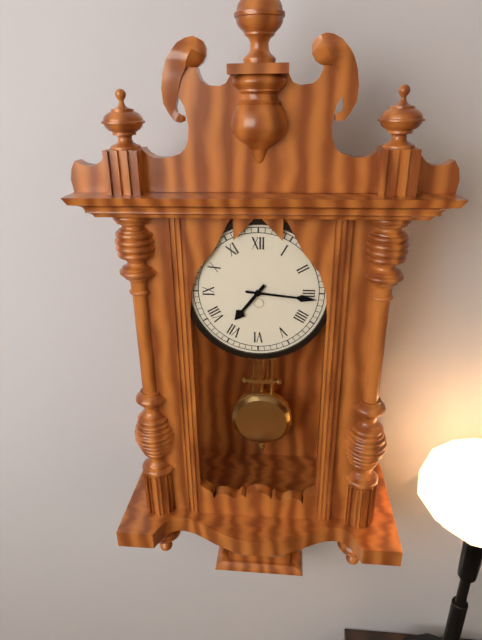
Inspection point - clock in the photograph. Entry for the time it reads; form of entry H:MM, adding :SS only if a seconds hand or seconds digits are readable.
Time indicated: 7:16
